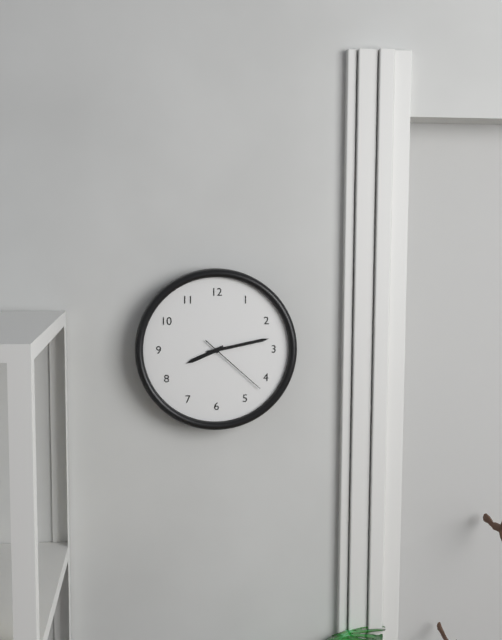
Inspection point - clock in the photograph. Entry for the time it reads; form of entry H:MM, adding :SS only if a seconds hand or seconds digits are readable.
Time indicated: 8:13:22
